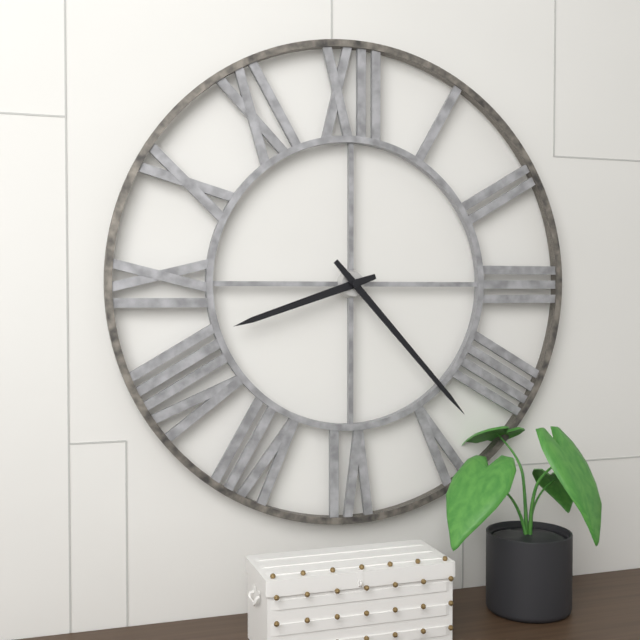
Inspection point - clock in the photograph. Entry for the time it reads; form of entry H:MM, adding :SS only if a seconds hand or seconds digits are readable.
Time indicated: 8:23
